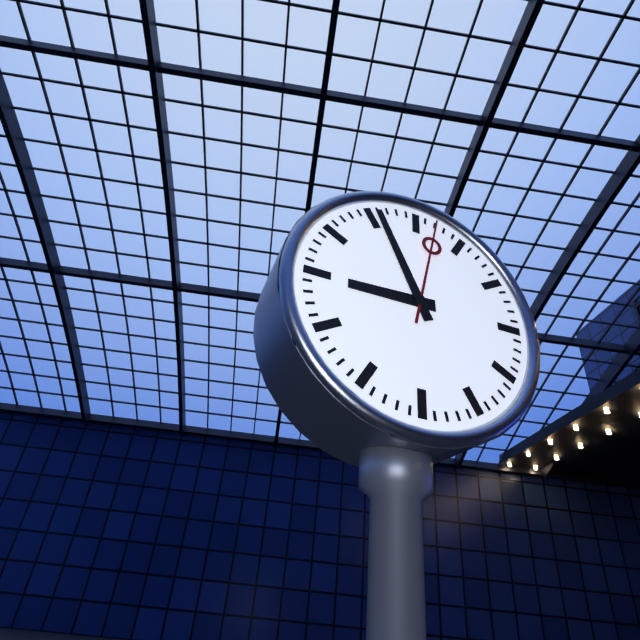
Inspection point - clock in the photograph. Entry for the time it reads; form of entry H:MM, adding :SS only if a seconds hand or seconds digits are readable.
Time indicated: 8:56:02
